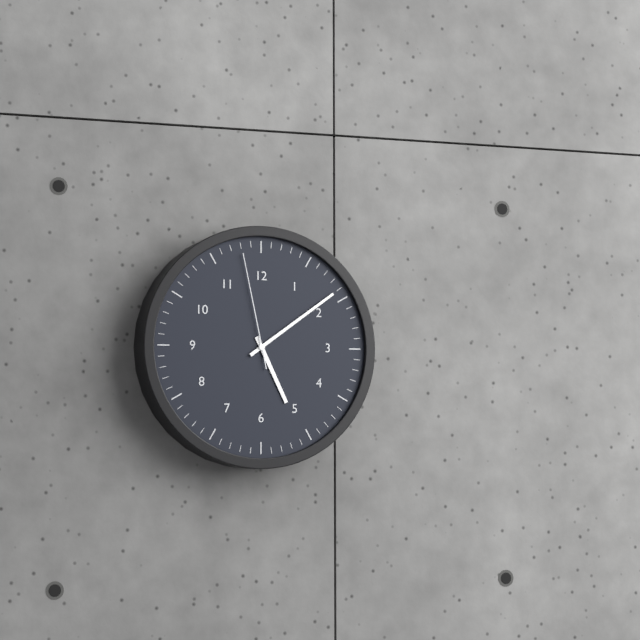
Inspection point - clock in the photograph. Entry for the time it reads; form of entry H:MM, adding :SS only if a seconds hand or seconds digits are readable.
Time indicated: 5:09:58
